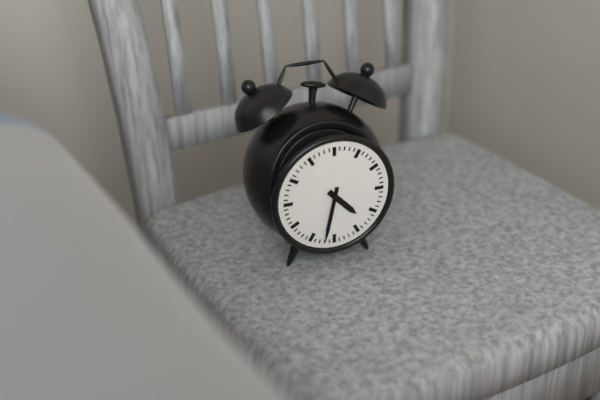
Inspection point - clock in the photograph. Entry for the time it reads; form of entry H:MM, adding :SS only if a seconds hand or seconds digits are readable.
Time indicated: 4:32
